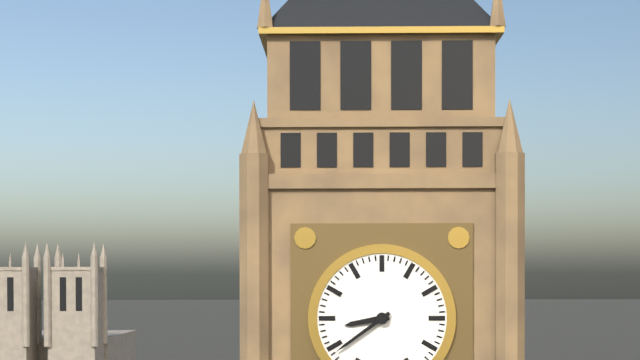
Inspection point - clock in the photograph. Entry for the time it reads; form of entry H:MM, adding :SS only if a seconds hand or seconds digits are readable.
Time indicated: 8:39
